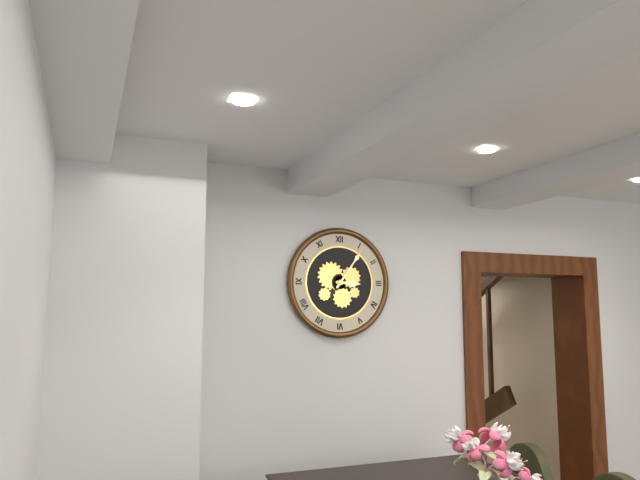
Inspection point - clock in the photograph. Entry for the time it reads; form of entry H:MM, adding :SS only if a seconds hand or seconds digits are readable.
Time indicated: 3:06
